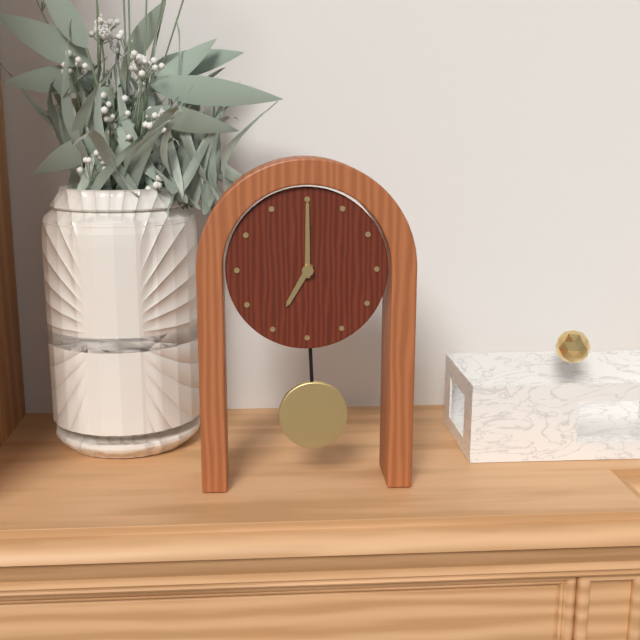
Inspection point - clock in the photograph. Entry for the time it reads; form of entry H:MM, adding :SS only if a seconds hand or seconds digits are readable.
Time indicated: 7:00
